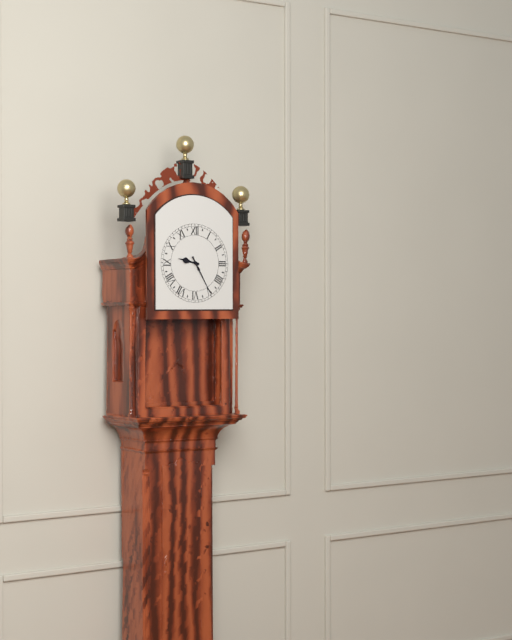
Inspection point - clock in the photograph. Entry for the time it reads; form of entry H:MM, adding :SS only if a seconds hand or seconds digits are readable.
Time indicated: 9:25
